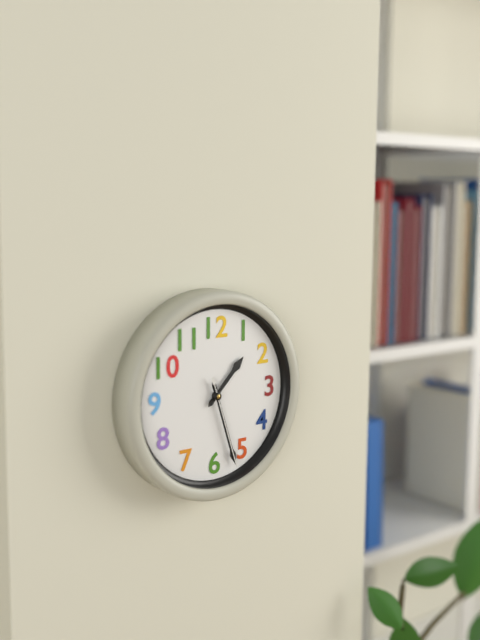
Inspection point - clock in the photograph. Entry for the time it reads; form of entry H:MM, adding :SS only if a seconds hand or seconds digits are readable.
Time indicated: 1:27:27
